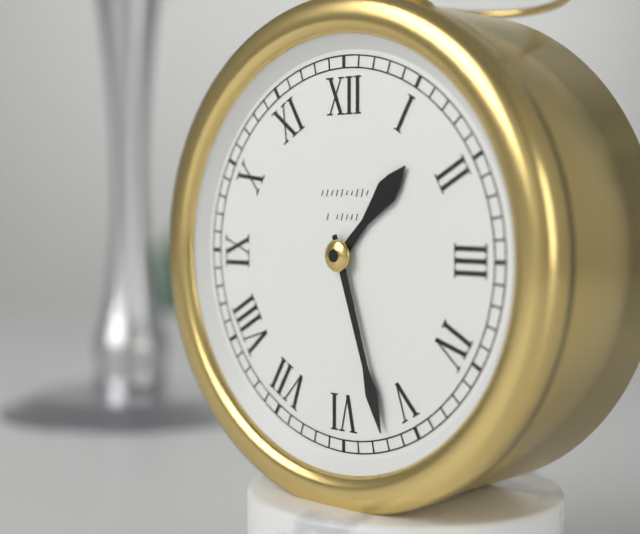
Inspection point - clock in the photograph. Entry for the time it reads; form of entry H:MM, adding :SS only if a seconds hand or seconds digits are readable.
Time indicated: 1:27
